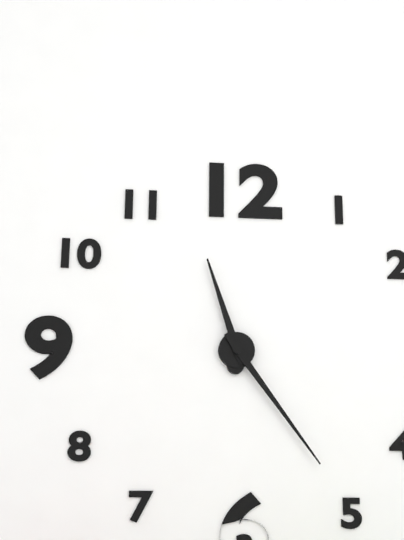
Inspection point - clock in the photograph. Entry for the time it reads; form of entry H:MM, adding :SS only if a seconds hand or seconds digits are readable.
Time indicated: 11:24
